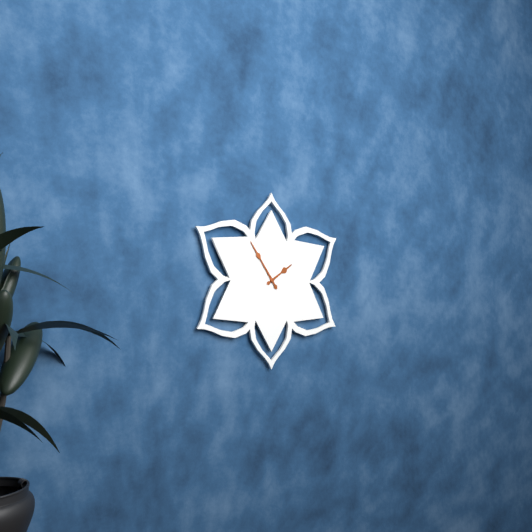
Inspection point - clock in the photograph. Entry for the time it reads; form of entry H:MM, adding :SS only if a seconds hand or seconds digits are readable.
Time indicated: 1:54
